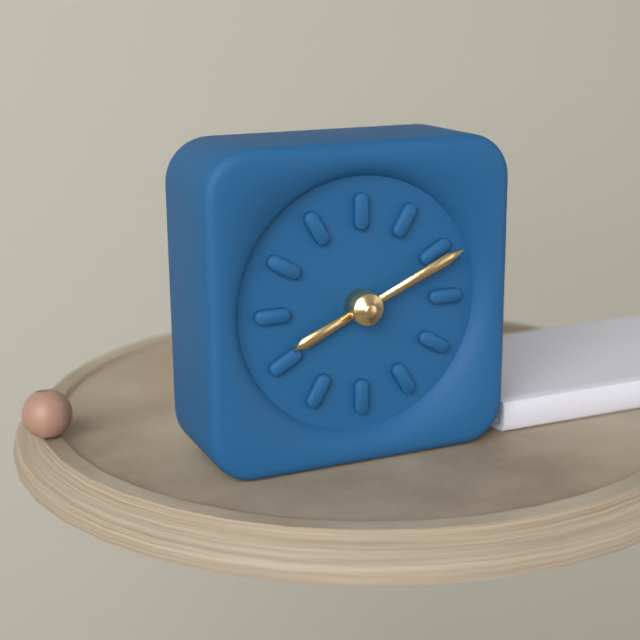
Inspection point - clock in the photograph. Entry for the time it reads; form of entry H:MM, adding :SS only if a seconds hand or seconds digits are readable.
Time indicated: 8:11
